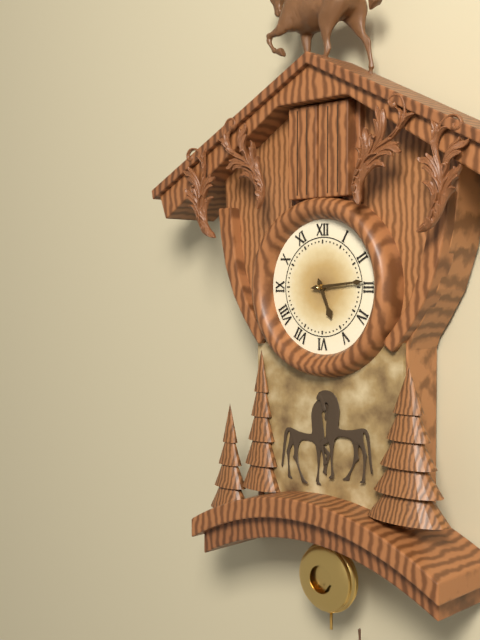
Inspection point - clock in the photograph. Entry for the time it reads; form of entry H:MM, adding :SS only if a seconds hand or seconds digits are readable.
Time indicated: 5:14
